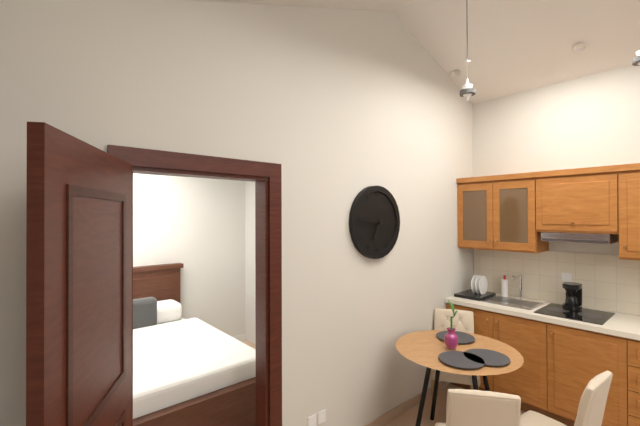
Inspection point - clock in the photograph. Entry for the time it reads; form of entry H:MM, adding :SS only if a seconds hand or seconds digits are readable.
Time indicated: 6:46
